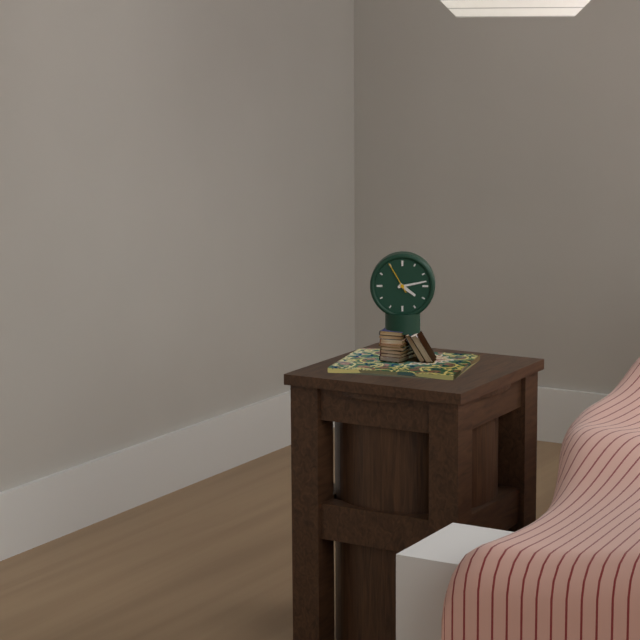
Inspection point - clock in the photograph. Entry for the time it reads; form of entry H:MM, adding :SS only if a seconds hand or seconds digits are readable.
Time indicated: 4:13
